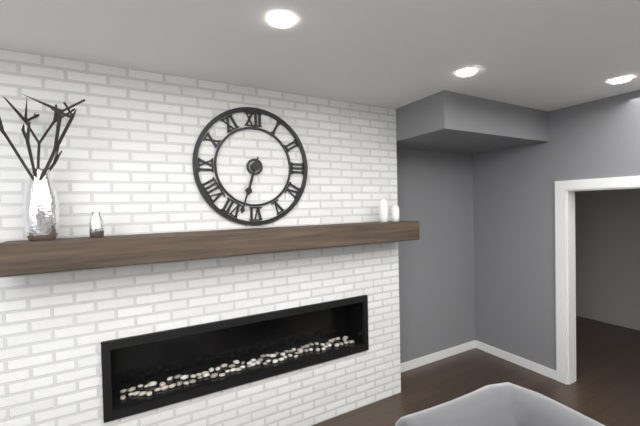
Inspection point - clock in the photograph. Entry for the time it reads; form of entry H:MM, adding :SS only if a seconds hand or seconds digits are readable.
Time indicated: 6:33
